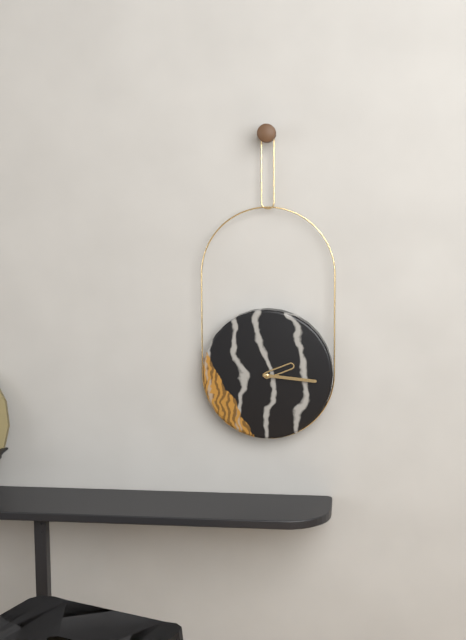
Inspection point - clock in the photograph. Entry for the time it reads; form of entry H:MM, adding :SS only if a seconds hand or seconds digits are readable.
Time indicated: 2:16
